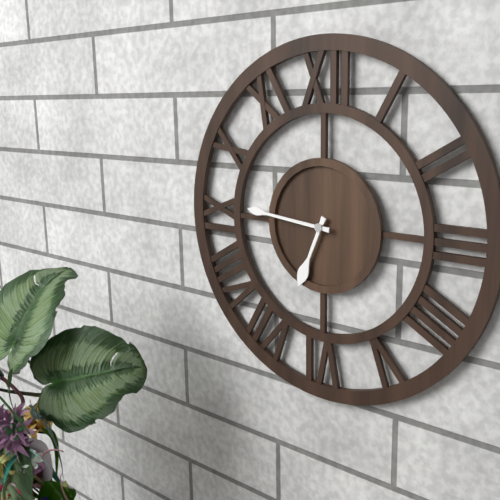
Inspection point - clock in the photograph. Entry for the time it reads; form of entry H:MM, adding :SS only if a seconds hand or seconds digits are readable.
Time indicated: 6:46
